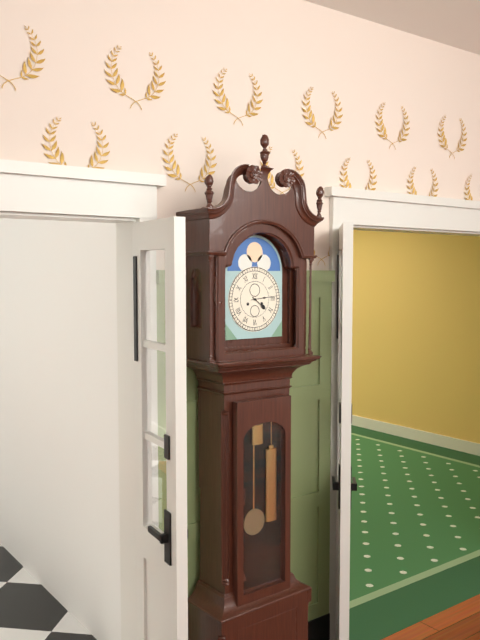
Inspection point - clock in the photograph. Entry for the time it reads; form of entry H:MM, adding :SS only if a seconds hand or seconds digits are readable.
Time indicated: 4:14
